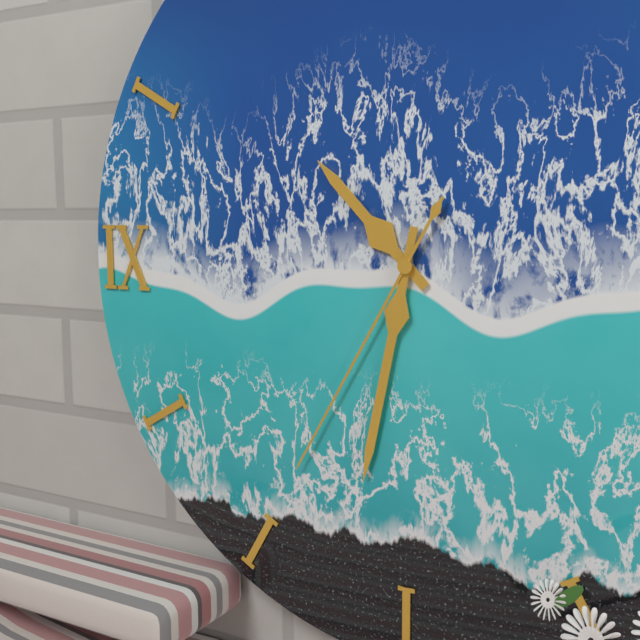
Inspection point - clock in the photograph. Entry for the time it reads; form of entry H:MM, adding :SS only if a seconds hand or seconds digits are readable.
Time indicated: 10:32:35
